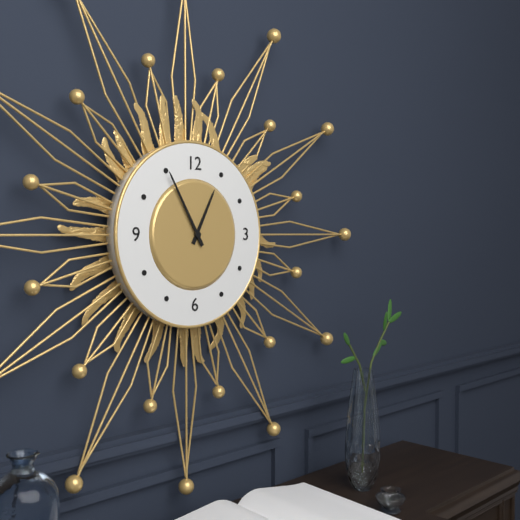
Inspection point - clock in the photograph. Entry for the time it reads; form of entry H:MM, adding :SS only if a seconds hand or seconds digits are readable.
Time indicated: 12:55
